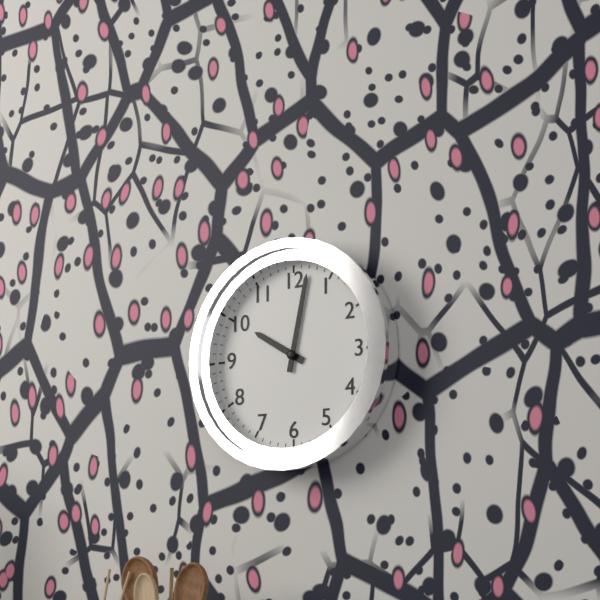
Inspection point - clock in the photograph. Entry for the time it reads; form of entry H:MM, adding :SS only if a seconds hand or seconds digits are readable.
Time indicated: 10:02
